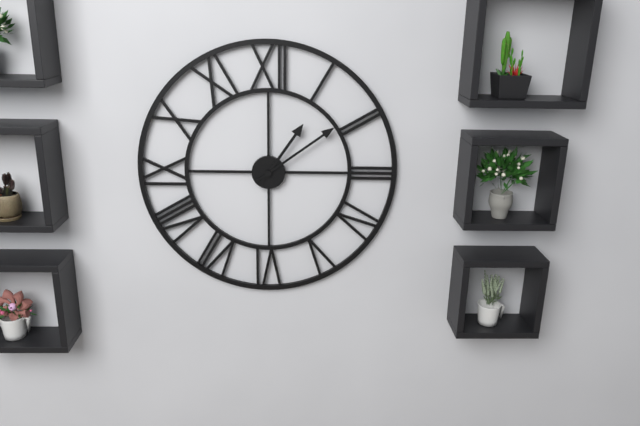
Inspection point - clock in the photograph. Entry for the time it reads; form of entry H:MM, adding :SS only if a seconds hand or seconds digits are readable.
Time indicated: 1:09
